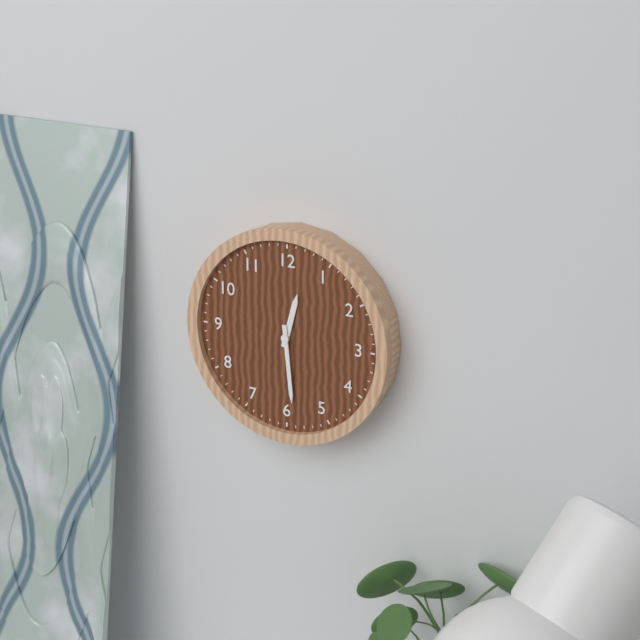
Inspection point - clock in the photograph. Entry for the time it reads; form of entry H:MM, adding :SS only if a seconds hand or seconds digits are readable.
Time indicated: 12:29
